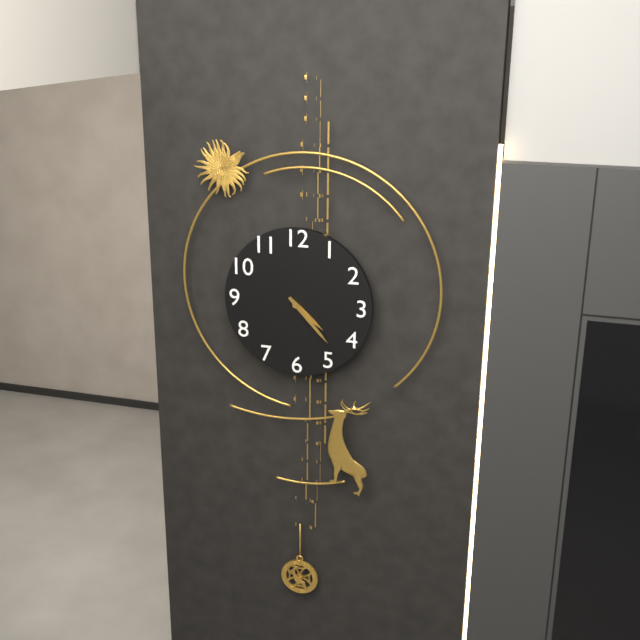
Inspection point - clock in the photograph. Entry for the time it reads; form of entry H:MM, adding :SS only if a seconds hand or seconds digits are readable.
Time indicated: 4:23
